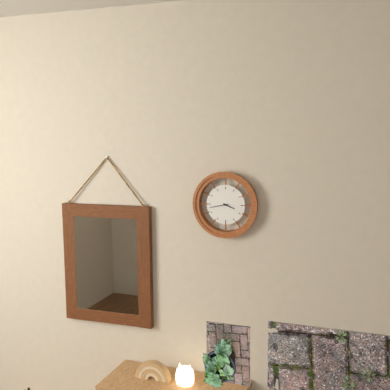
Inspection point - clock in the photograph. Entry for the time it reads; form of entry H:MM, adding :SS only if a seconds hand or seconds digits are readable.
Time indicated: 3:43
